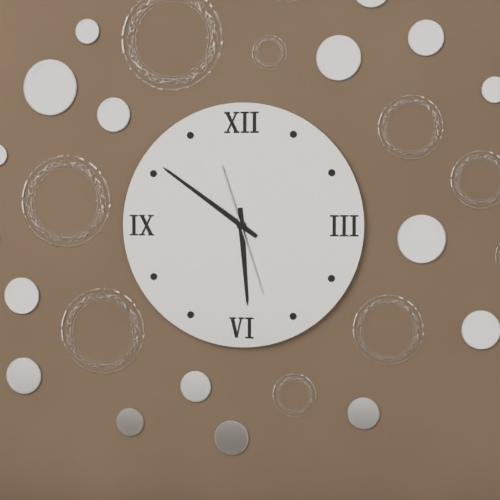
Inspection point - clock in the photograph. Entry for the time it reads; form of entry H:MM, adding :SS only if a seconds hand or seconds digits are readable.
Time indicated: 5:51:27
